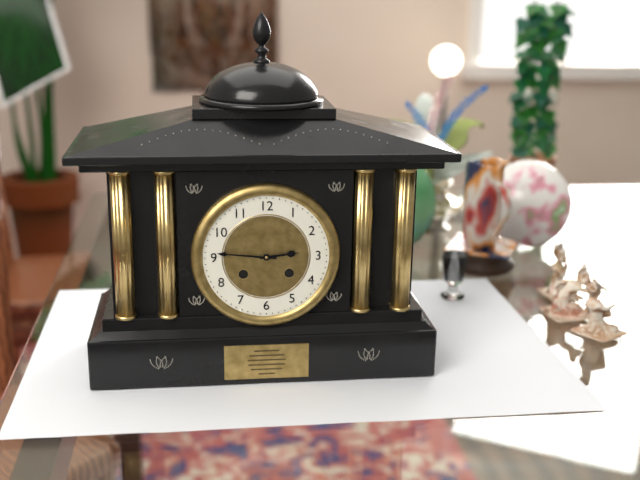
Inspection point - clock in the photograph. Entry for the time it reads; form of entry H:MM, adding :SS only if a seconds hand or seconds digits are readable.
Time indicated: 2:46
